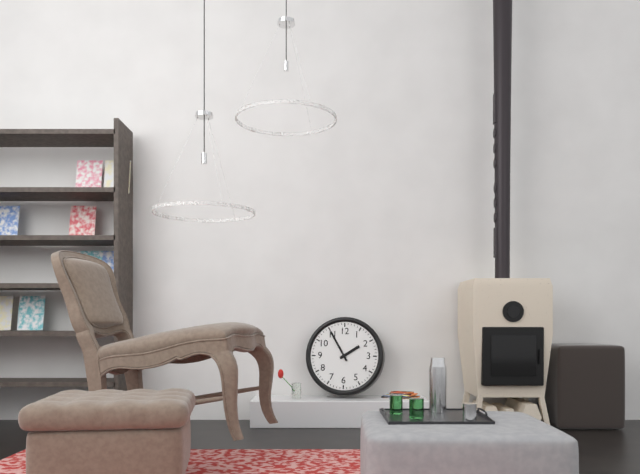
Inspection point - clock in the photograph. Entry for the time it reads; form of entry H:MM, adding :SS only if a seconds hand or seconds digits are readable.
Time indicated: 1:55
